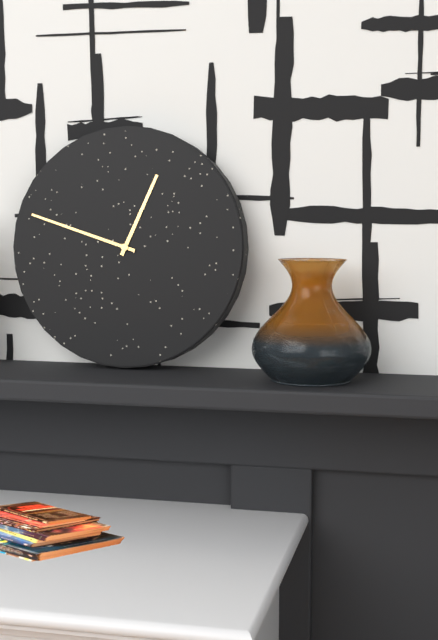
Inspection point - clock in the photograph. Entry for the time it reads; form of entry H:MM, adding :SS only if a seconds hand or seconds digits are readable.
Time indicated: 12:48
